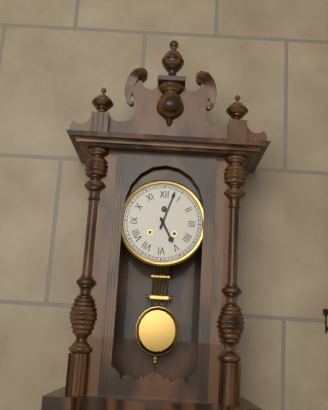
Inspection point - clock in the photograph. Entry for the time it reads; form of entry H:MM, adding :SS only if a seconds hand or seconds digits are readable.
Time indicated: 5:03
